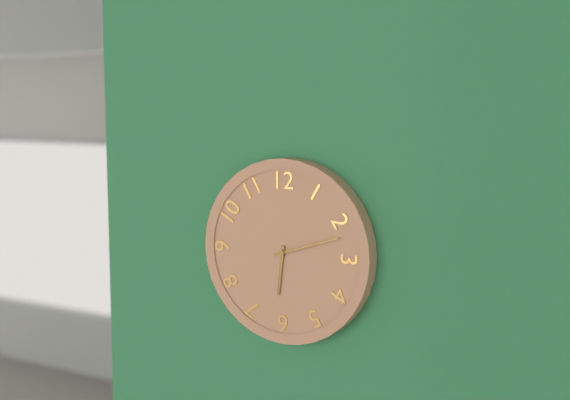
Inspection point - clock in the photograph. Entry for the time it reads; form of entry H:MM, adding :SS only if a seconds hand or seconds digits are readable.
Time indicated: 6:12
